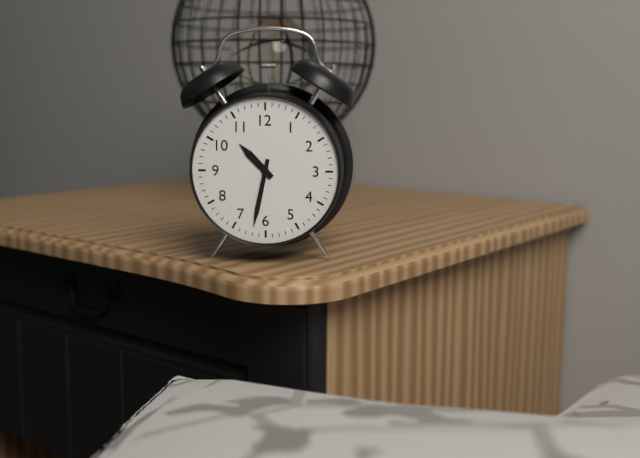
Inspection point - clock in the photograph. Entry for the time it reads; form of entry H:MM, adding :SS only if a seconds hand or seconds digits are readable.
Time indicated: 10:32
